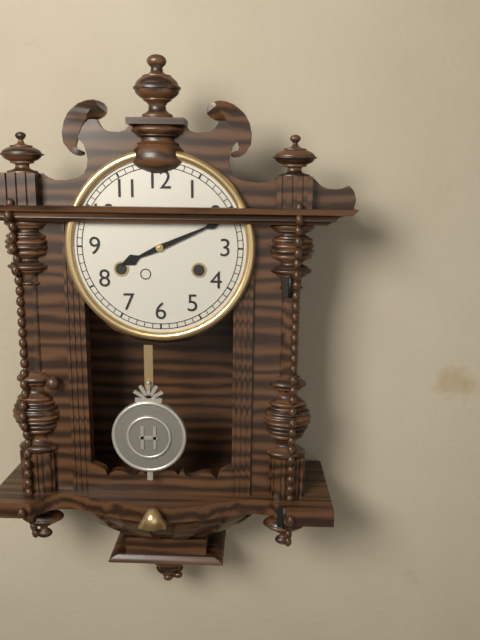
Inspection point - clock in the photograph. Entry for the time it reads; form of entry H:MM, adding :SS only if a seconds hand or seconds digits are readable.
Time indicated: 8:11
